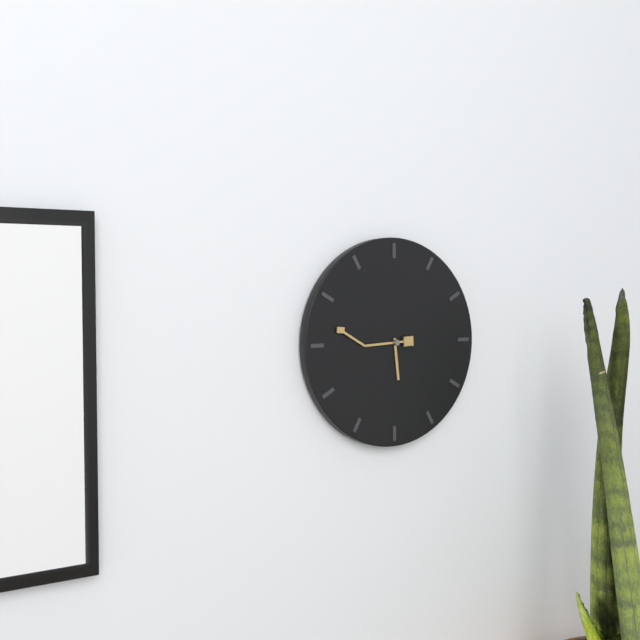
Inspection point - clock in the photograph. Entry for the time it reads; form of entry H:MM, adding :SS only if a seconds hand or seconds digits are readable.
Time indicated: 5:47
